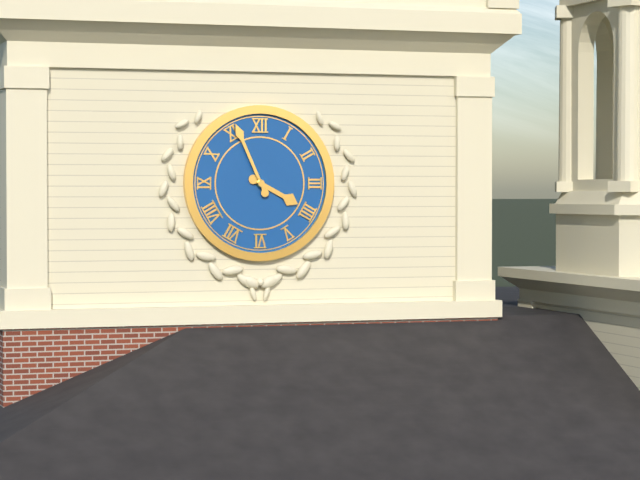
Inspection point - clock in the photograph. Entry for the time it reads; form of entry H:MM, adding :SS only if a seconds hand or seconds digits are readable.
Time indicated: 3:56
